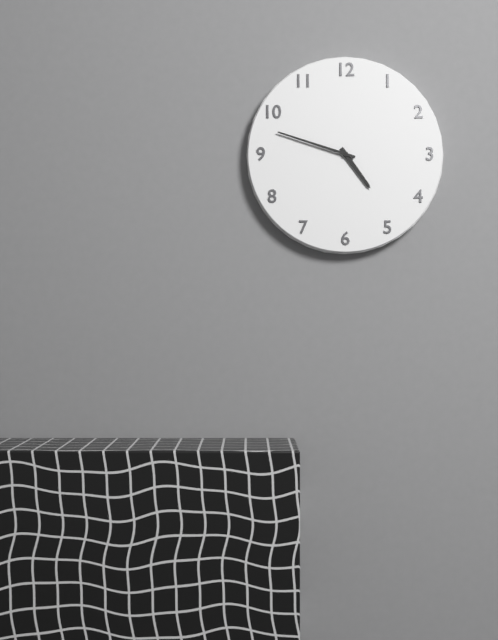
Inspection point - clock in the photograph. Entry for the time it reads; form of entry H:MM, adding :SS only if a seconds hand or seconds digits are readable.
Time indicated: 4:48
